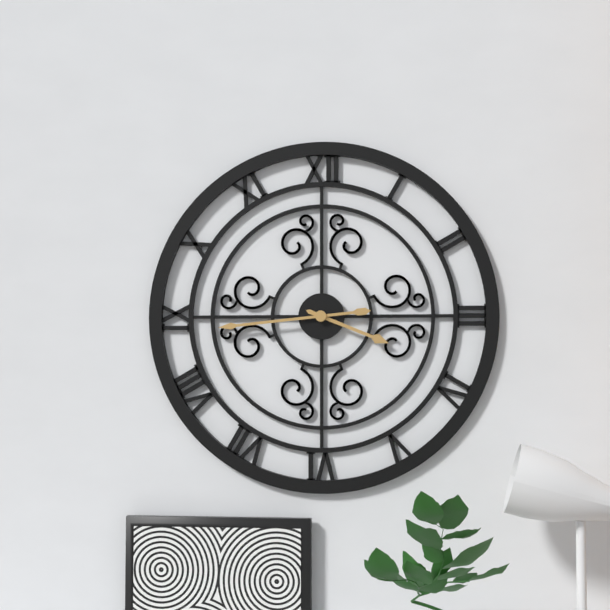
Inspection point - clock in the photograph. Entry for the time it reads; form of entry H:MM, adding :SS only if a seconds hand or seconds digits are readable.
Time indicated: 3:44
